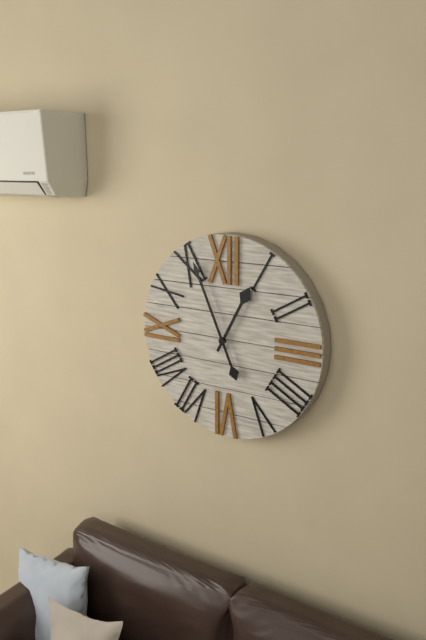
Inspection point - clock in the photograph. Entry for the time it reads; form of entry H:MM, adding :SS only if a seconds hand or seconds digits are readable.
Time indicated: 12:56
